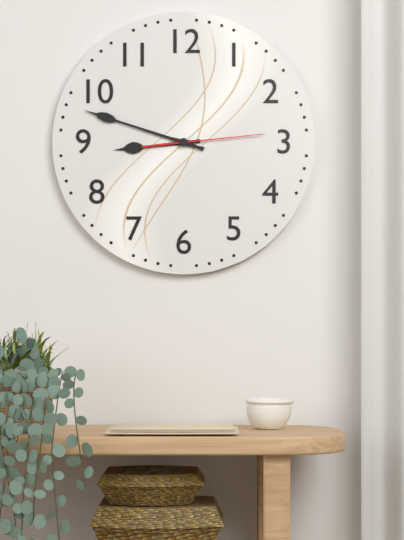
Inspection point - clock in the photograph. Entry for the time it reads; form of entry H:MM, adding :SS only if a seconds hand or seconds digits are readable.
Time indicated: 8:48:14
